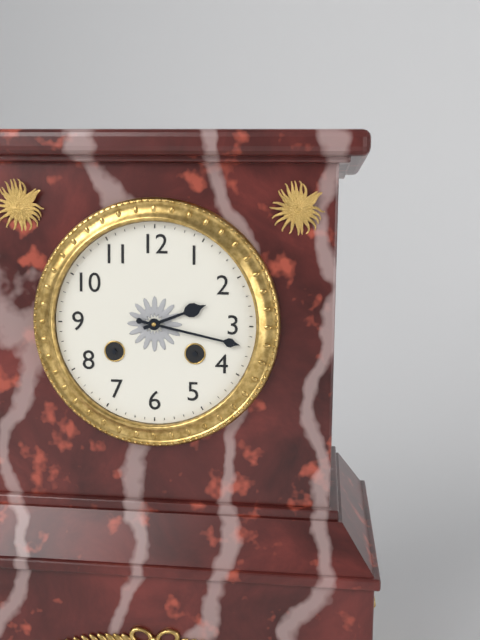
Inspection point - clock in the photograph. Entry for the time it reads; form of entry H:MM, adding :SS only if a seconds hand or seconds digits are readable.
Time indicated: 2:17
